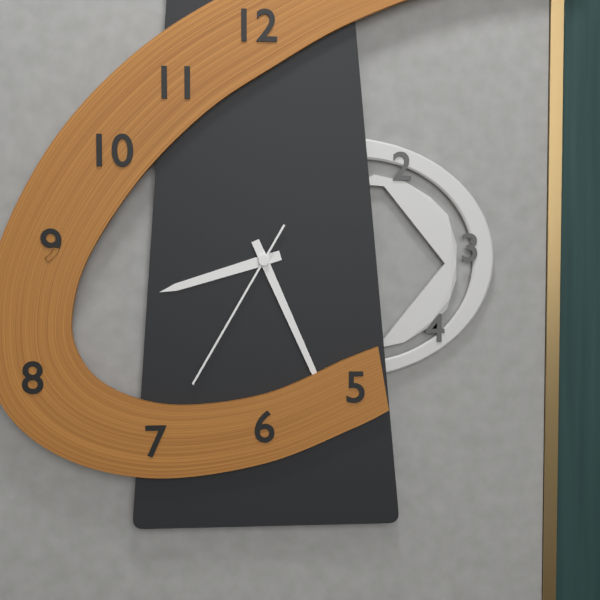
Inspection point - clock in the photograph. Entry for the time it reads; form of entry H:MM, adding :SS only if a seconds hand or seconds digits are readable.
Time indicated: 8:26:35
